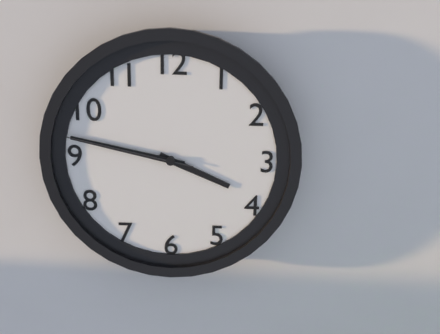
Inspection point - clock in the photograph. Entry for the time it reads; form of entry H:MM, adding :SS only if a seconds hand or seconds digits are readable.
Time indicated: 3:47:47
